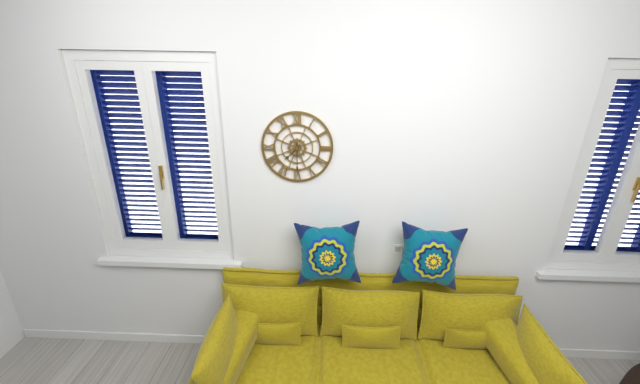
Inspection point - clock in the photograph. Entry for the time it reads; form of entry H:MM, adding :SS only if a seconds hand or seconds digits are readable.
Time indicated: 7:30
